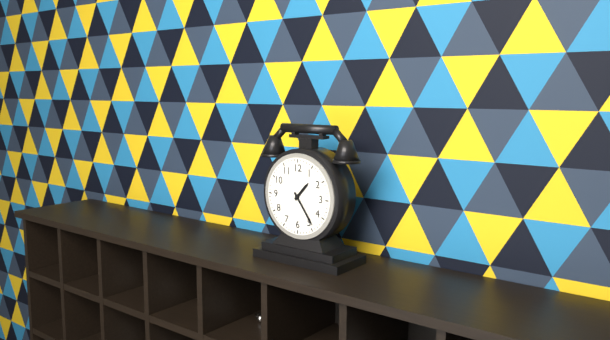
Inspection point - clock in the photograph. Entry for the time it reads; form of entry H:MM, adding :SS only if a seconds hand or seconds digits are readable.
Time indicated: 1:24
